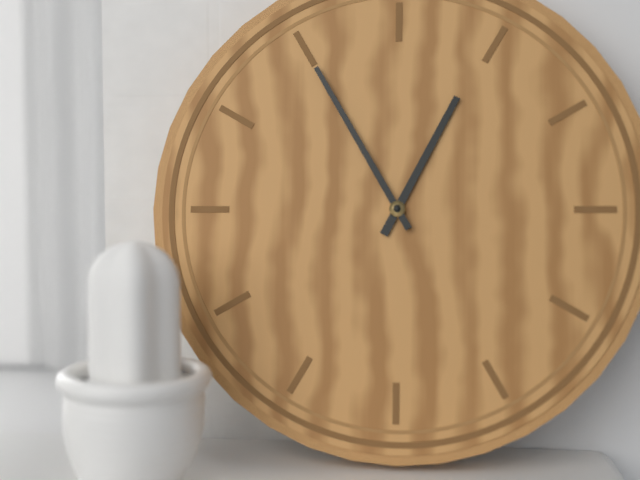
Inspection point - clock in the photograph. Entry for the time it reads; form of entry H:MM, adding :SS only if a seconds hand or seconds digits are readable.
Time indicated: 12:55
